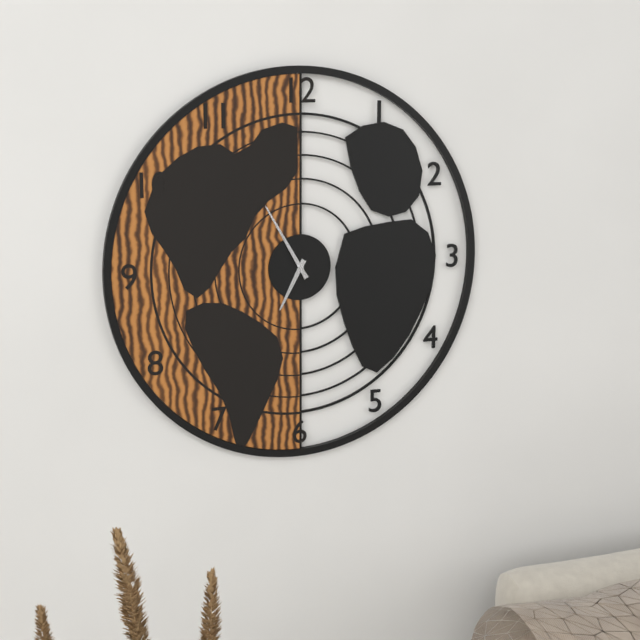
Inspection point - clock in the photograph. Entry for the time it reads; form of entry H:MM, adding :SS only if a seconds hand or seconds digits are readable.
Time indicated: 6:55
